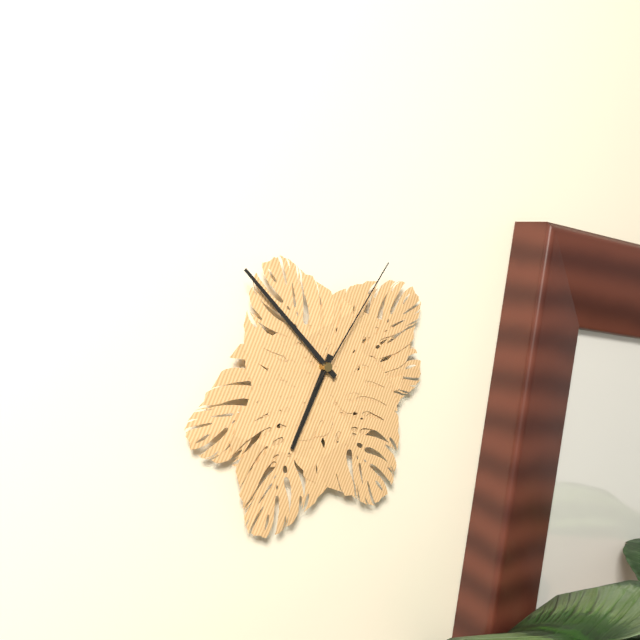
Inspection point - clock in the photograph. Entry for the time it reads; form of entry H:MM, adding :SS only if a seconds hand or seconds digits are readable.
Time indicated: 6:53:06
